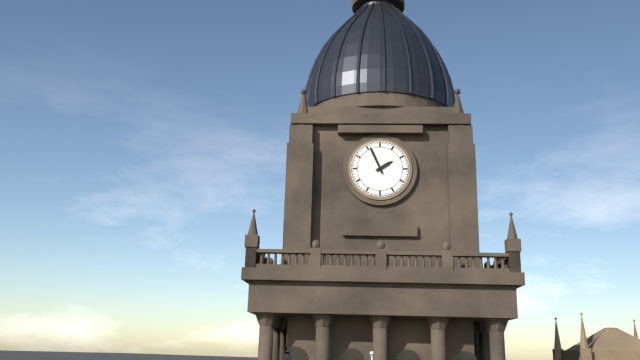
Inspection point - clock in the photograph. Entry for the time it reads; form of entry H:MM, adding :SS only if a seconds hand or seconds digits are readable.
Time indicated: 1:56
